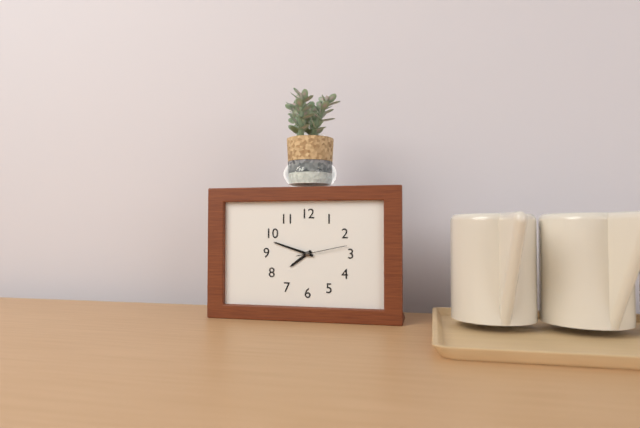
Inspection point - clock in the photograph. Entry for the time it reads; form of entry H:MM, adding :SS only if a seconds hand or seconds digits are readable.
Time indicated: 7:48:13
